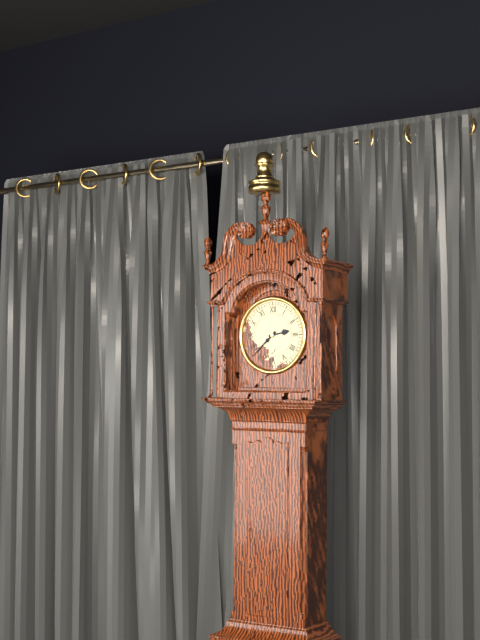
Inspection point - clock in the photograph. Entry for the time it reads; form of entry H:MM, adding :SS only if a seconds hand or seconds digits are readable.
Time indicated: 2:38
